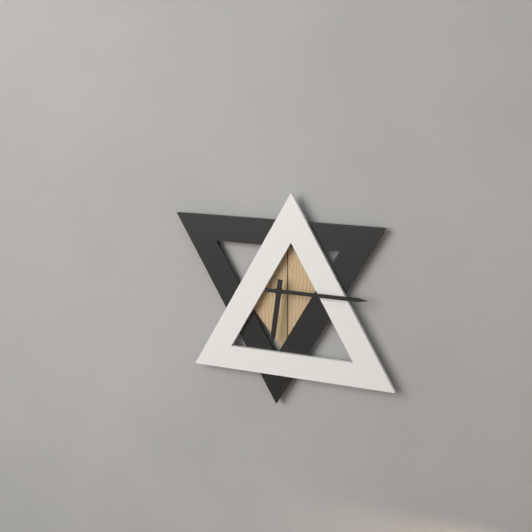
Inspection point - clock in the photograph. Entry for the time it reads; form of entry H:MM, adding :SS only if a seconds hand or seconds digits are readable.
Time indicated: 6:15
